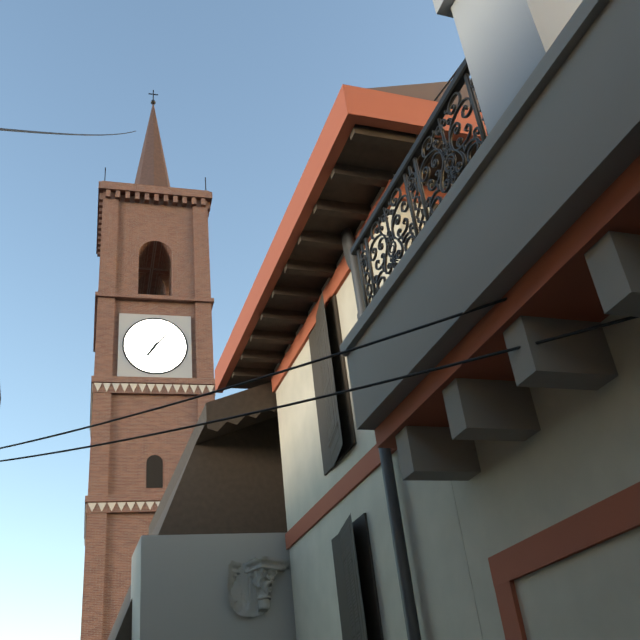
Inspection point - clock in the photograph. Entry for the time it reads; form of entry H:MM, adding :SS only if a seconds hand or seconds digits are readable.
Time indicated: 7:07
